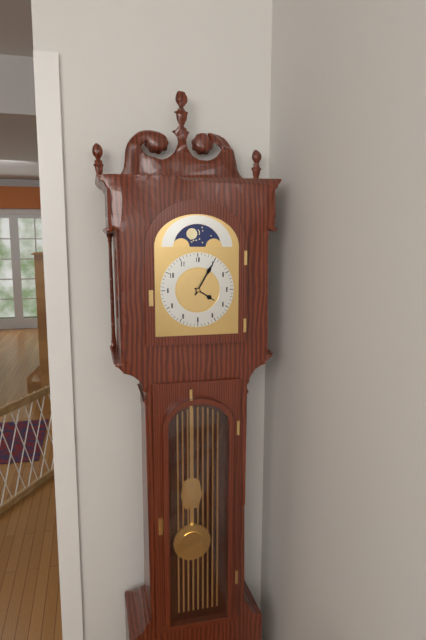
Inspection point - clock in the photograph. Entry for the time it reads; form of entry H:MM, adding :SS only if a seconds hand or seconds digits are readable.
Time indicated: 4:05
